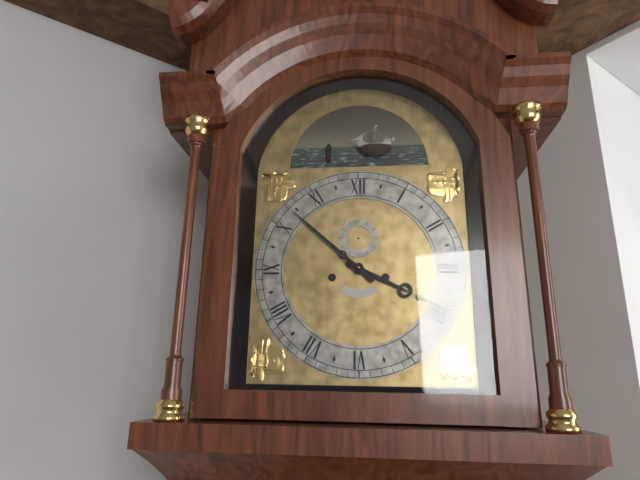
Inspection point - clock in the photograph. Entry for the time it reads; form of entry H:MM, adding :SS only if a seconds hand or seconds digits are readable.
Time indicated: 3:52
